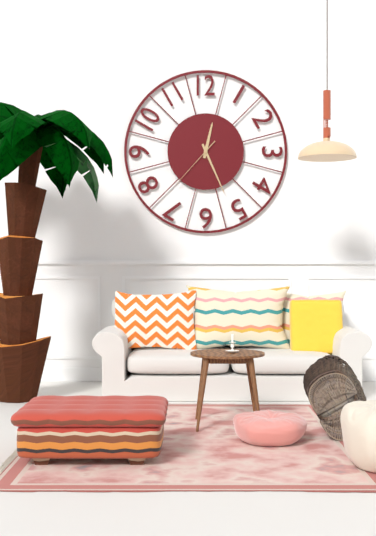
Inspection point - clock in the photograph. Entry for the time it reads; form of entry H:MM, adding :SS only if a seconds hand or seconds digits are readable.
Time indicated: 12:26:37
